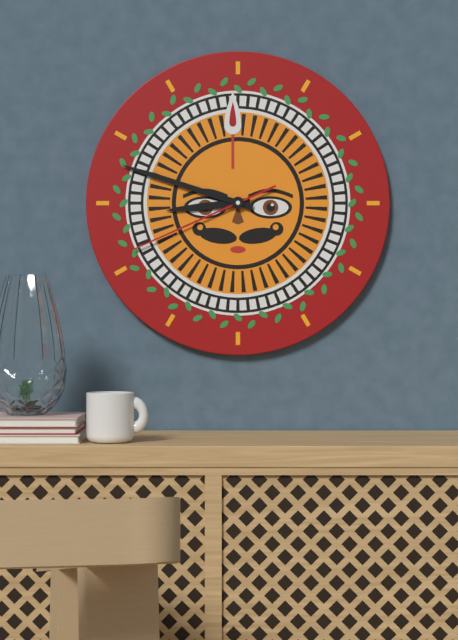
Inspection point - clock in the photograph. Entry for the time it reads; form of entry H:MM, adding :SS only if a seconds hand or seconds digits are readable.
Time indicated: 8:48:41
